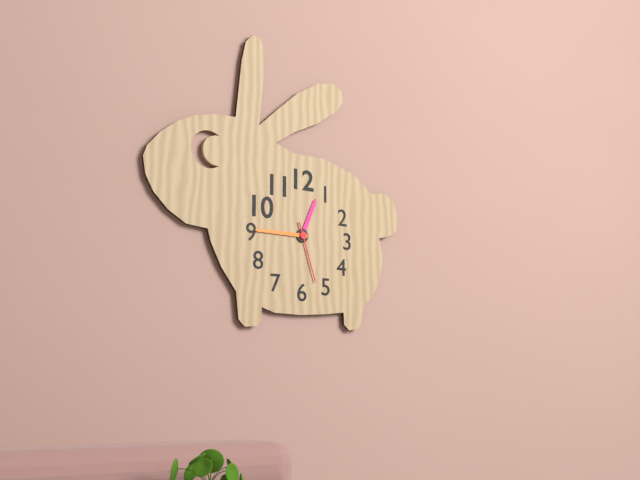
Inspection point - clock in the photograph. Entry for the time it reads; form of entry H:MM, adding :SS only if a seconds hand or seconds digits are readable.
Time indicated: 12:45:27
